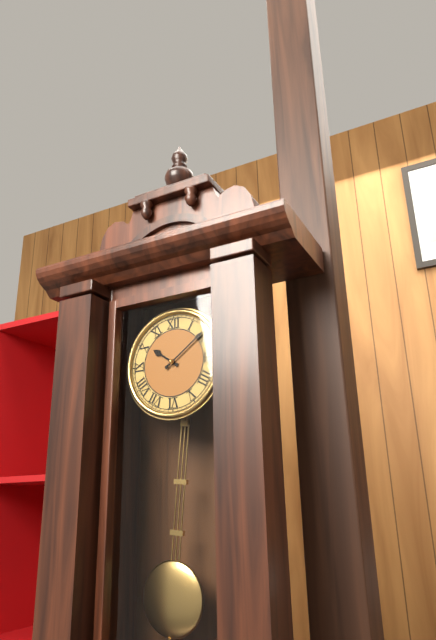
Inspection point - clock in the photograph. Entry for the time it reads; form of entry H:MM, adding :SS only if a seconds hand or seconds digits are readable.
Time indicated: 10:09
